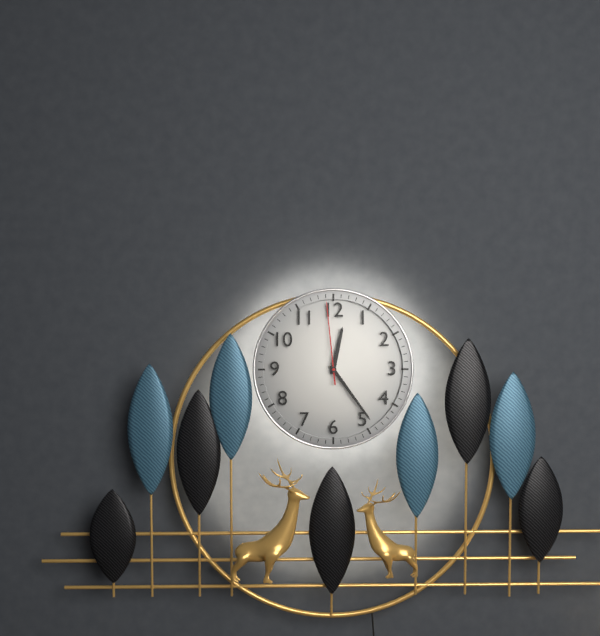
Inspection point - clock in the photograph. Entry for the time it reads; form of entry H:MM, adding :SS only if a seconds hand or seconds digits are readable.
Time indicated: 12:24:59
